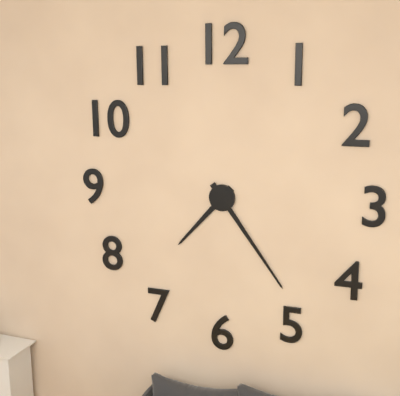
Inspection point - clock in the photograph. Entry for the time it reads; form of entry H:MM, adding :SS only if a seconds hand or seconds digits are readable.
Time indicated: 7:24
